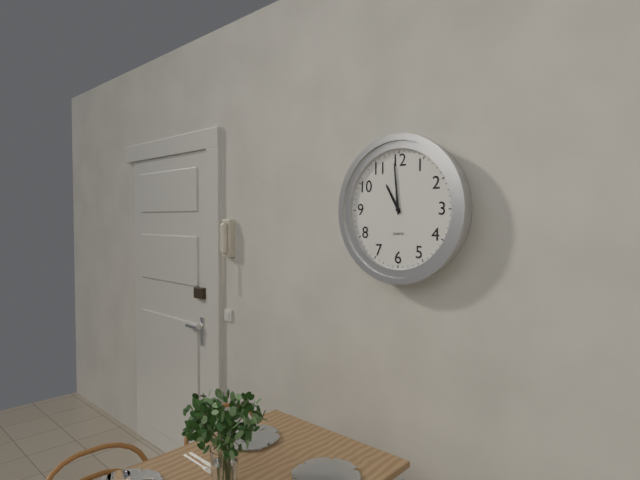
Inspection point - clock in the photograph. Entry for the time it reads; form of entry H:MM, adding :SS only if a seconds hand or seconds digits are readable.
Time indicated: 10:59
